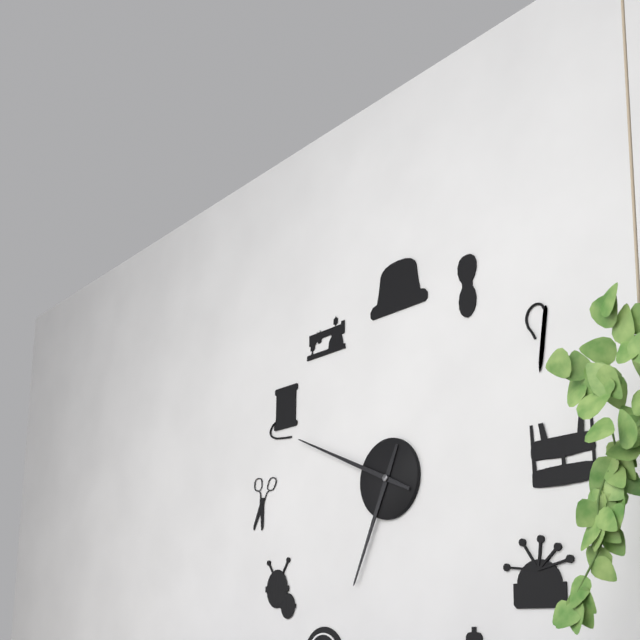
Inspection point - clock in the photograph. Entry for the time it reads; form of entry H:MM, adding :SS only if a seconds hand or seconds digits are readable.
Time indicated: 6:49
